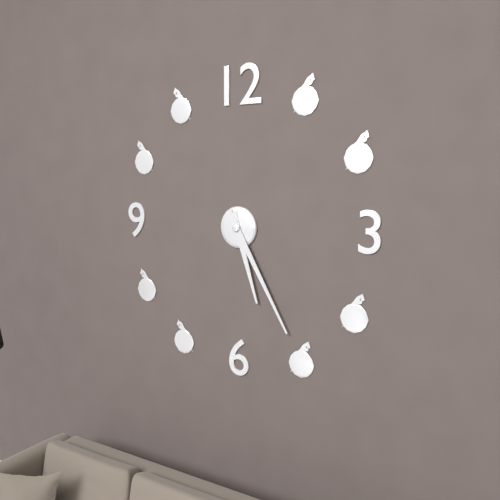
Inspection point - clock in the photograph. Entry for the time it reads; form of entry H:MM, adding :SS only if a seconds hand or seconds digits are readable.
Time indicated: 5:25
